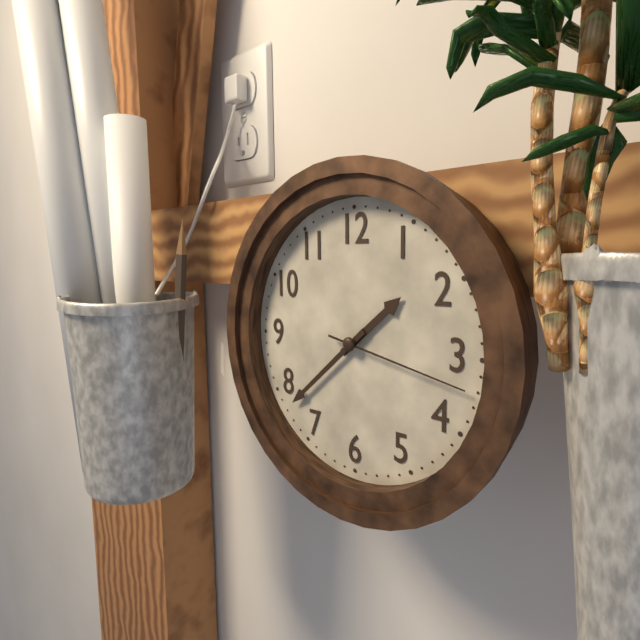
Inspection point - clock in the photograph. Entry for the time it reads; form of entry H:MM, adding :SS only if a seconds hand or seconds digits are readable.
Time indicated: 1:38:17
